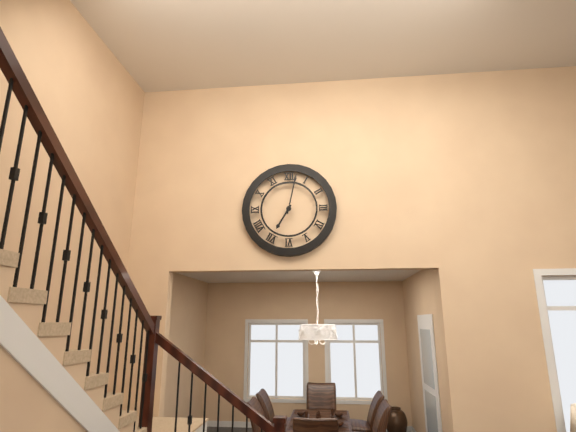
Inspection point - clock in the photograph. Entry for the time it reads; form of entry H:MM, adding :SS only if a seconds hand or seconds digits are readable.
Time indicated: 7:02
